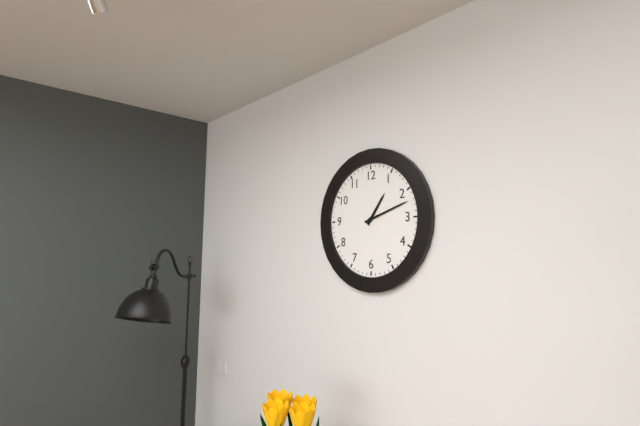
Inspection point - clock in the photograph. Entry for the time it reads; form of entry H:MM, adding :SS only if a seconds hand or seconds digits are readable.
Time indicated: 1:12
